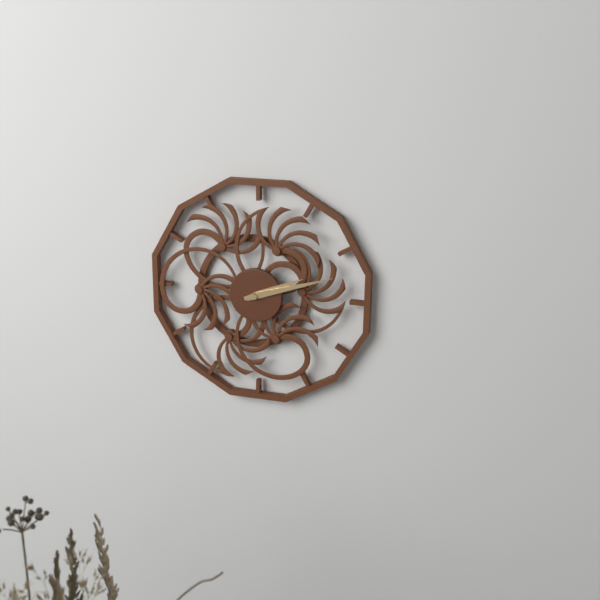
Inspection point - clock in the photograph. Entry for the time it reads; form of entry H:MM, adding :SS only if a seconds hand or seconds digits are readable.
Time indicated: 2:12
